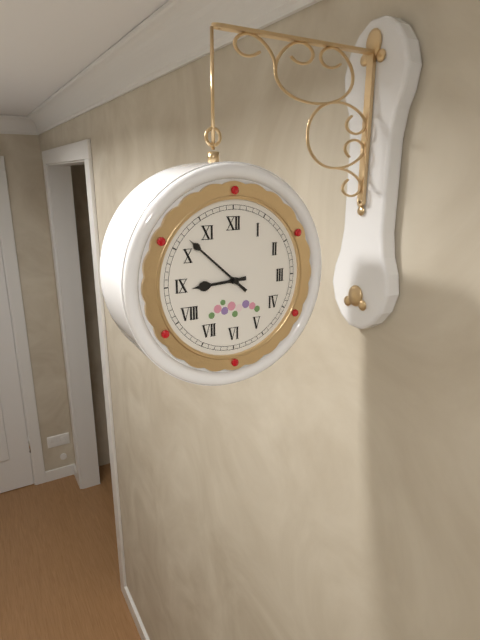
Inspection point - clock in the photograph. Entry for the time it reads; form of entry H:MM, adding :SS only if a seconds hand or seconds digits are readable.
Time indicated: 8:52
